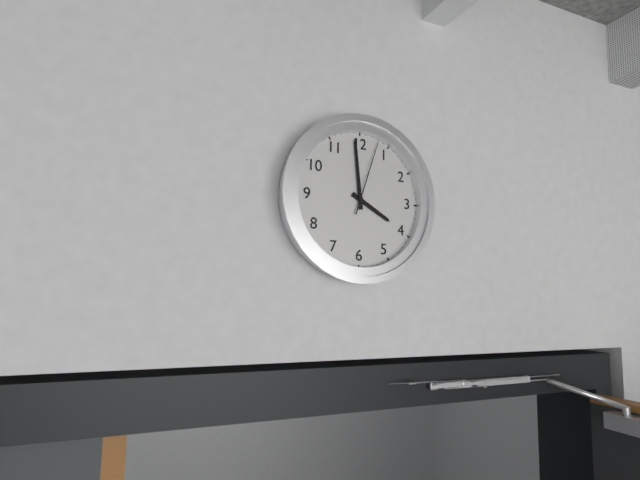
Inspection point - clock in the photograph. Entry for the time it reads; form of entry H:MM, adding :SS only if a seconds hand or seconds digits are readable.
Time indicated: 3:59:03
